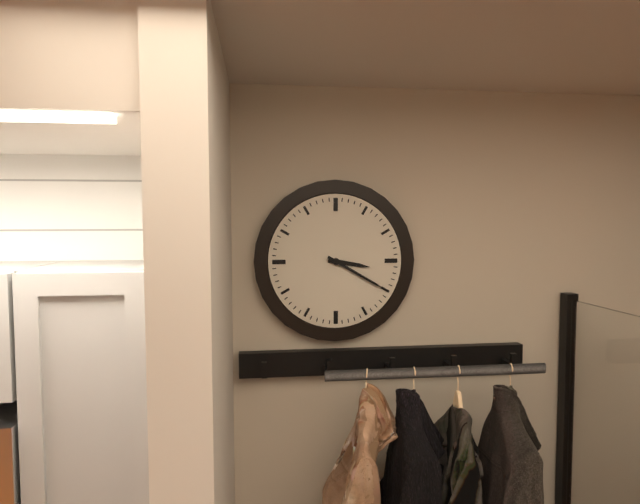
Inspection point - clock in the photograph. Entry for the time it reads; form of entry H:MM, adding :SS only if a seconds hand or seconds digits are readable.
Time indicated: 3:20
